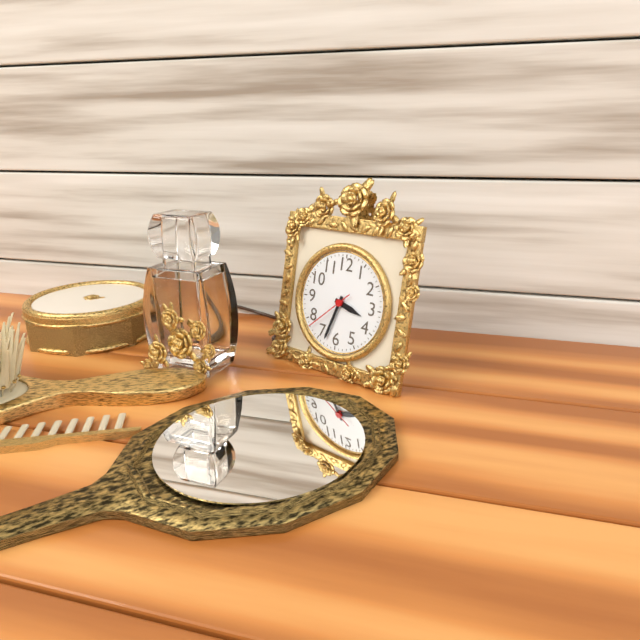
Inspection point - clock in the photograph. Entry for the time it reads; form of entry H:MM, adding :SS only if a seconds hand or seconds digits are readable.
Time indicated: 3:33
